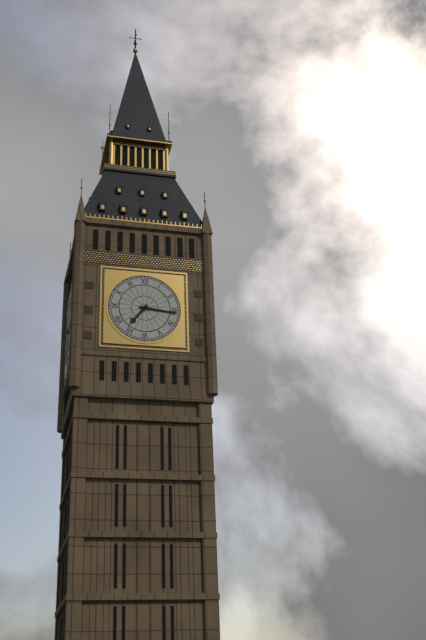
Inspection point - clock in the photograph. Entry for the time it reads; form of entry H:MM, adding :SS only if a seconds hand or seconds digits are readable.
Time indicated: 7:16
